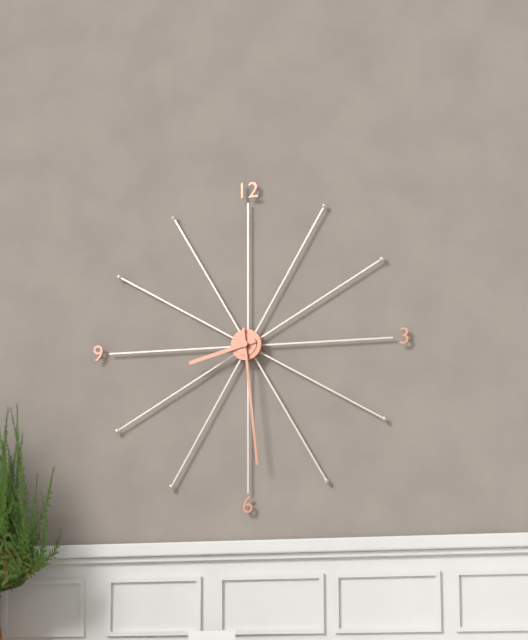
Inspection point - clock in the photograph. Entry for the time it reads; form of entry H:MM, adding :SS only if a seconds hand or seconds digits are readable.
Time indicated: 8:29
